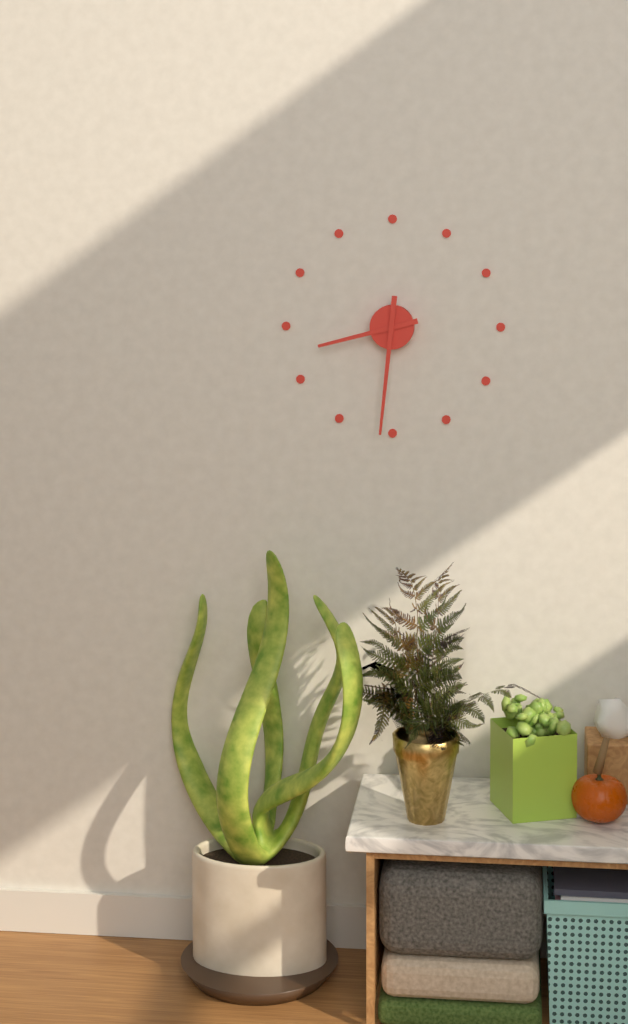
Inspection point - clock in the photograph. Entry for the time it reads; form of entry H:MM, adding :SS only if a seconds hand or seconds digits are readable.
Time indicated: 8:31
